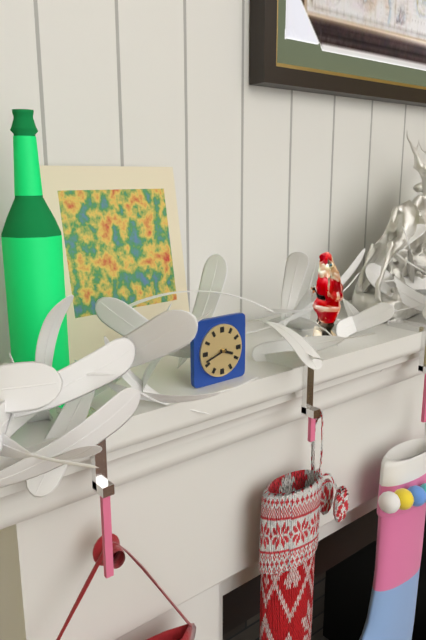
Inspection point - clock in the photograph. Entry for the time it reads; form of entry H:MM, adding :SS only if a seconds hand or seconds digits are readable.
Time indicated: 3:42
